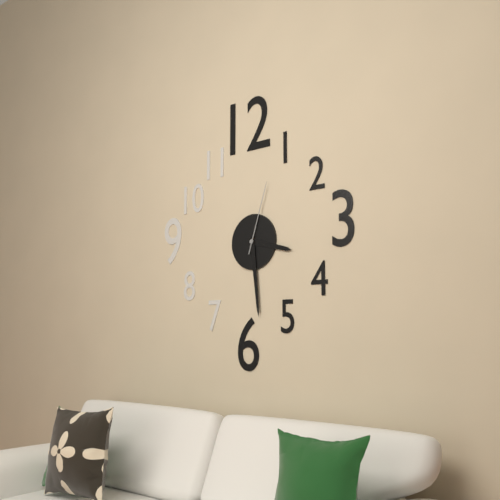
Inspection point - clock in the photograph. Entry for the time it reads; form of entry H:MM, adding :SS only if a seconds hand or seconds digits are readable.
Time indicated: 3:29:03
